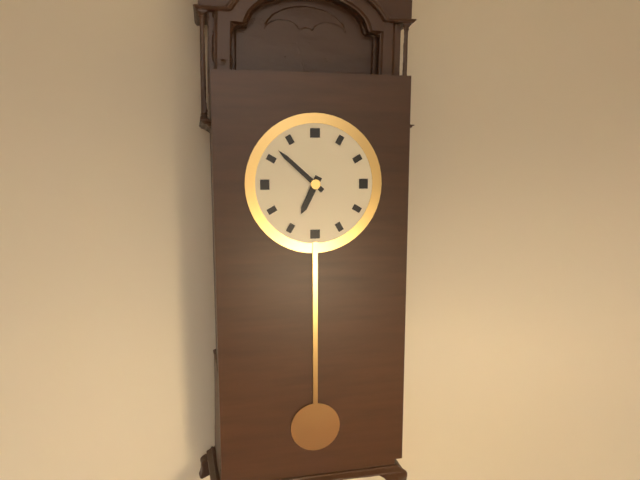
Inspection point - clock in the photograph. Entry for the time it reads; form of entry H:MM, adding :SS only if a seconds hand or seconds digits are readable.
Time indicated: 6:52
